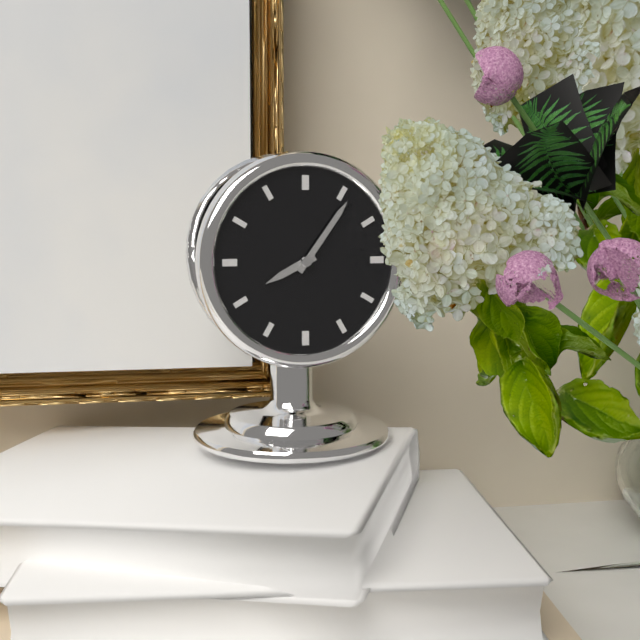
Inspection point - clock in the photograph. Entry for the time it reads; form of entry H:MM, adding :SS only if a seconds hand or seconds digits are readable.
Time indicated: 8:06
